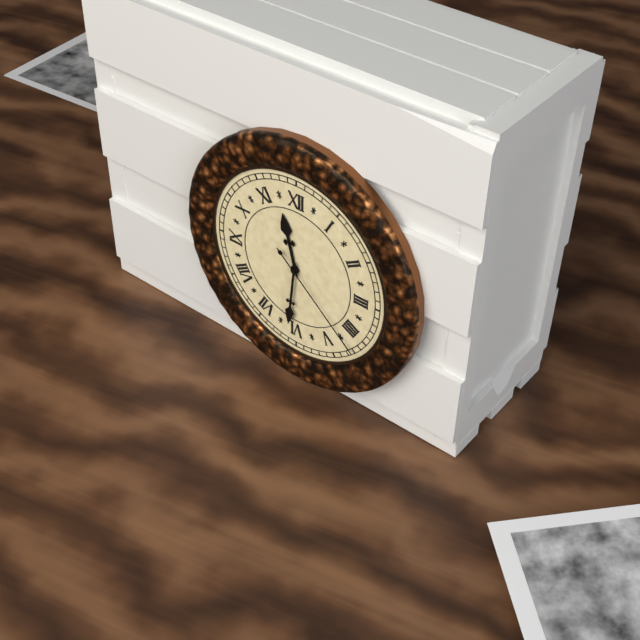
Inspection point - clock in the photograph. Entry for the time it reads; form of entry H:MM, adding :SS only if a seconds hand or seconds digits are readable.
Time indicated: 11:31:22
